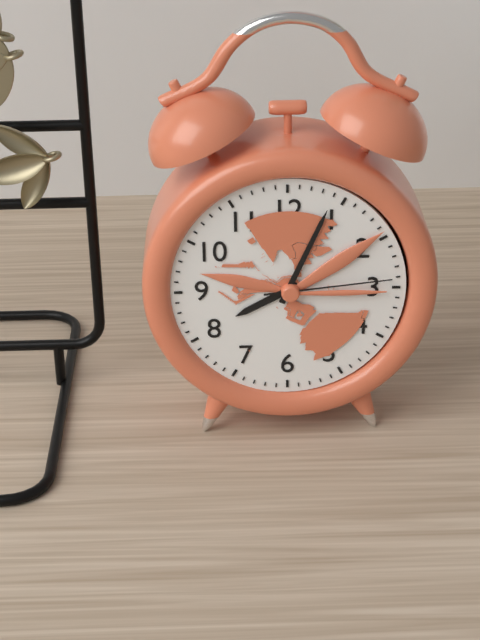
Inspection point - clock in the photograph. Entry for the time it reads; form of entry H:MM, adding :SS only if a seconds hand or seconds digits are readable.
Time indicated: 8:04:14
